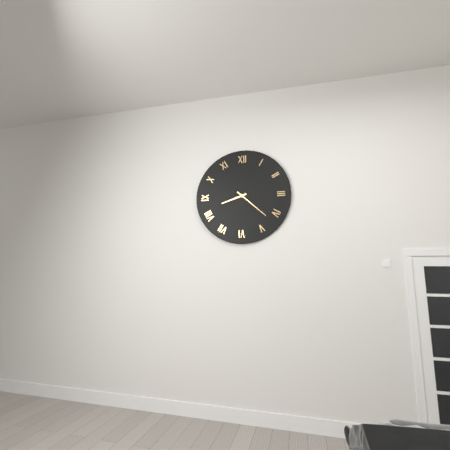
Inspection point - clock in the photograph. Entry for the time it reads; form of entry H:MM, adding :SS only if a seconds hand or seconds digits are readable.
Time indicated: 8:22
